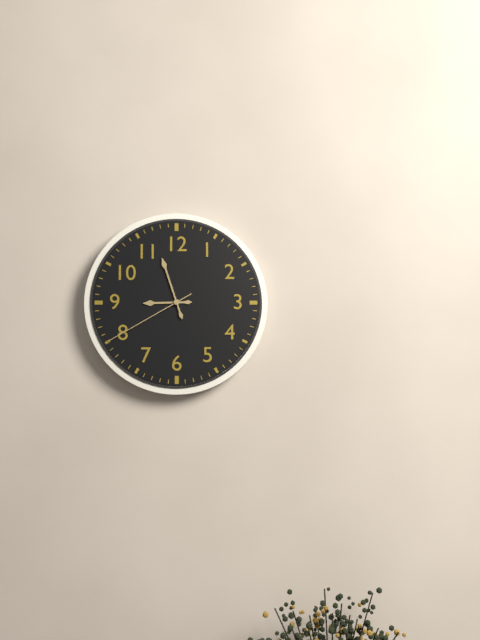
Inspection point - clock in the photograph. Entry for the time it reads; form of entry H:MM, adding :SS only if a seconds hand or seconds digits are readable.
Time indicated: 8:57:40
